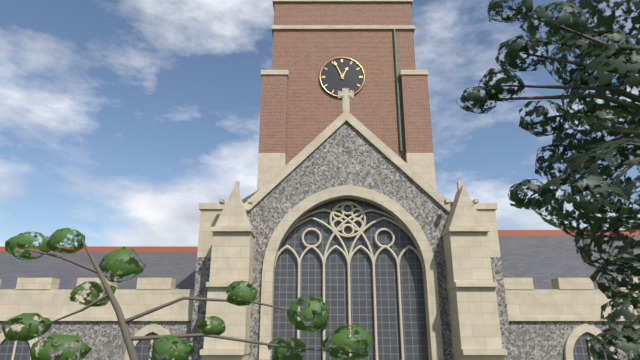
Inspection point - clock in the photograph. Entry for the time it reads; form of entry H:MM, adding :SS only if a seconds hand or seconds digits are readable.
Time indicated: 12:56
